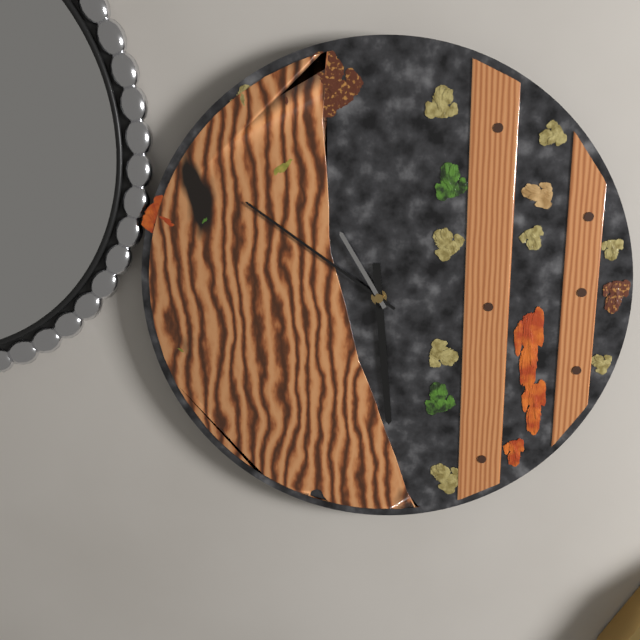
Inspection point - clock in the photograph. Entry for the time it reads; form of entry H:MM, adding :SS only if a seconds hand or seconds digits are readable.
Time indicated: 5:51:55
